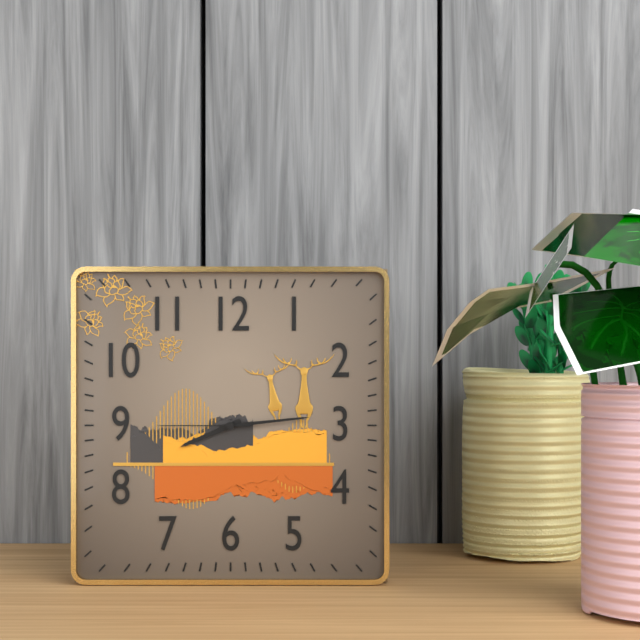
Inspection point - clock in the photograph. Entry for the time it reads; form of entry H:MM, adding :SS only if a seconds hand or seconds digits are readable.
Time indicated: 8:14:45
